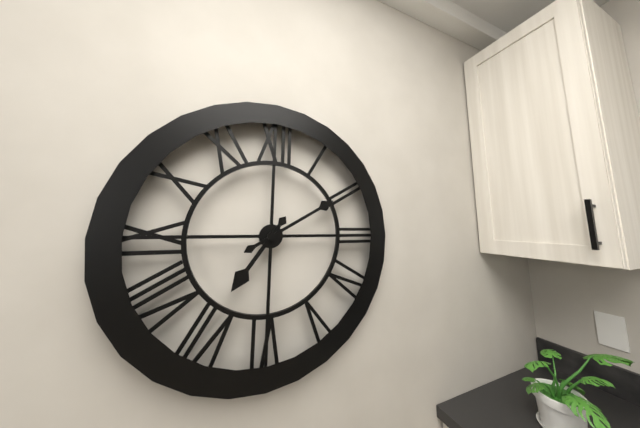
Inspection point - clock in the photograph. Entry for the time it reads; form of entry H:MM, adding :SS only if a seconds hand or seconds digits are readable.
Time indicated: 7:10
